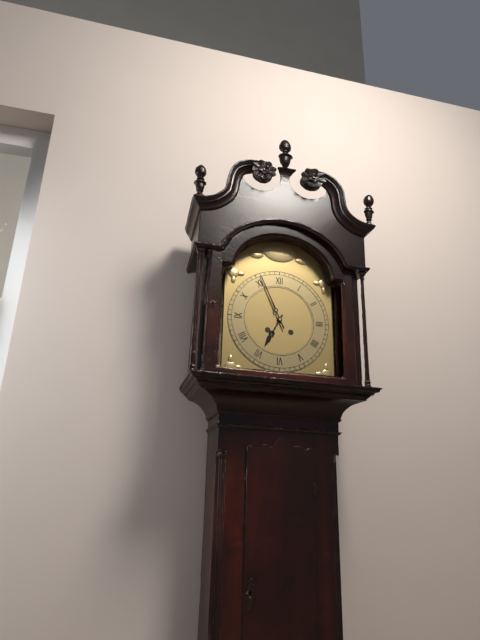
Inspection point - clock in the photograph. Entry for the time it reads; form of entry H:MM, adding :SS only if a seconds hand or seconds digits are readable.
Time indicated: 6:56
